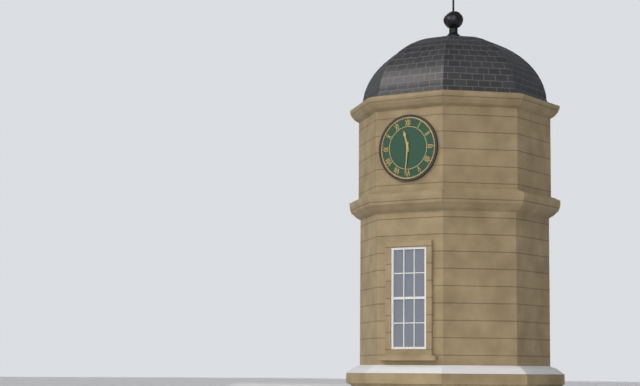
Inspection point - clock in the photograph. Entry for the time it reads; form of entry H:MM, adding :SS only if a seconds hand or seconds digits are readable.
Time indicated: 11:31
